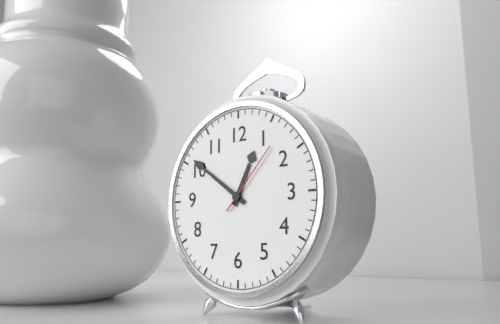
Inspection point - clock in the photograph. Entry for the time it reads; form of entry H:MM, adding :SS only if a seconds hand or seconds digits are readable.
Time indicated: 12:51:07
